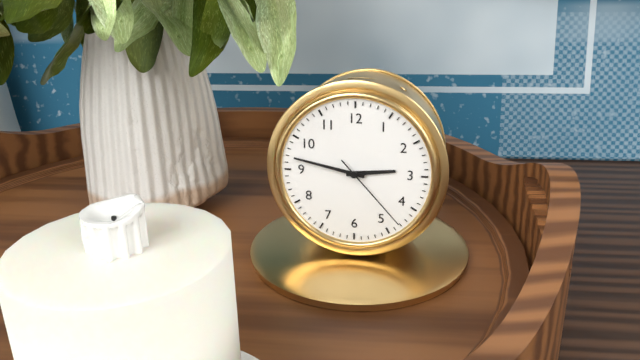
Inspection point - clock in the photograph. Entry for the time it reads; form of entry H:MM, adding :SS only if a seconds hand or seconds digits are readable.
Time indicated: 2:47:23
